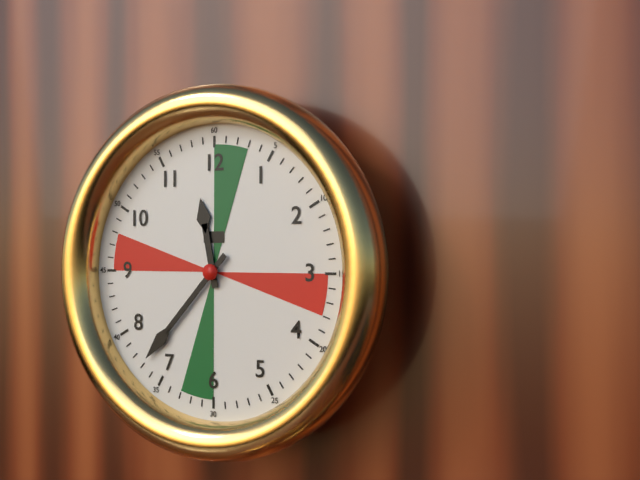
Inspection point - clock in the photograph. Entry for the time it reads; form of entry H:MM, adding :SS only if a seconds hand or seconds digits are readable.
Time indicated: 11:37
